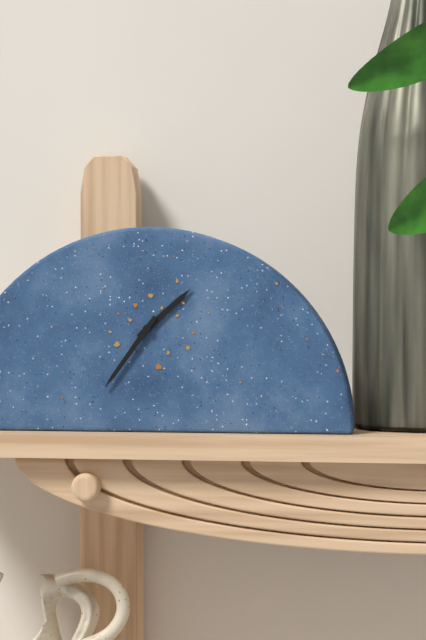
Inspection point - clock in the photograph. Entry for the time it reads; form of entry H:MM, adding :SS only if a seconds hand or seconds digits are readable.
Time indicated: 1:36
